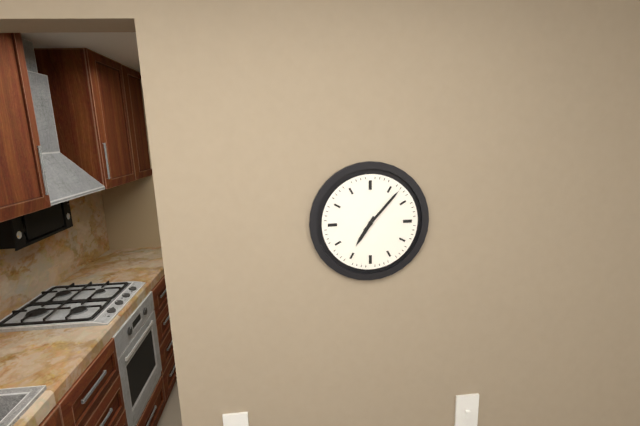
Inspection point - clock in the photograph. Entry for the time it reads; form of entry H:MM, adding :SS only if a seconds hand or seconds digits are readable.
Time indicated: 7:07
